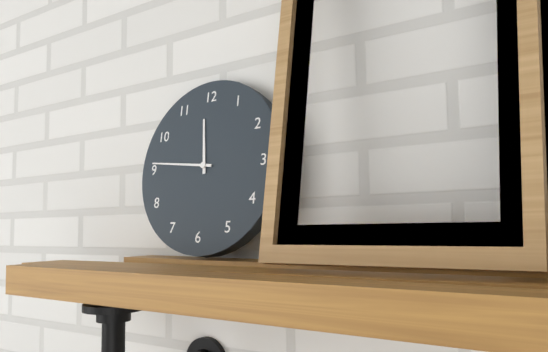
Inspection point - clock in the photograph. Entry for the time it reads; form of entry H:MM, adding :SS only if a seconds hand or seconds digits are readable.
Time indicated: 11:46
